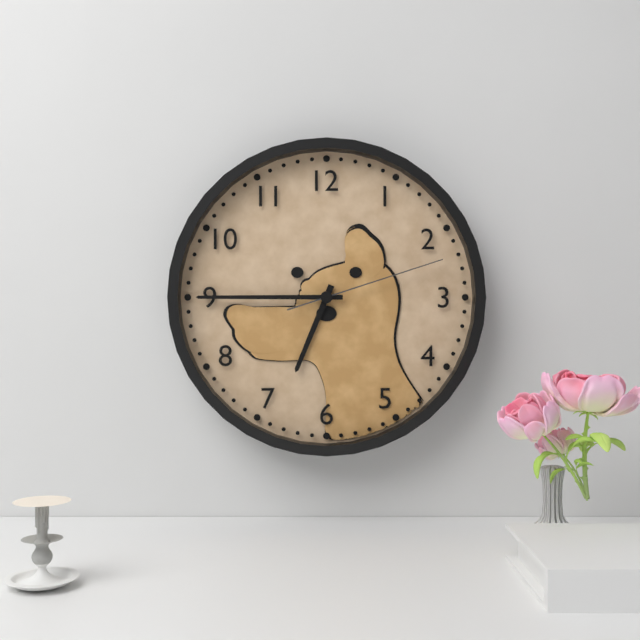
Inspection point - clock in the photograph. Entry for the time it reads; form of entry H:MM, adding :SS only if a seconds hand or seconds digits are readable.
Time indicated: 6:45:12
